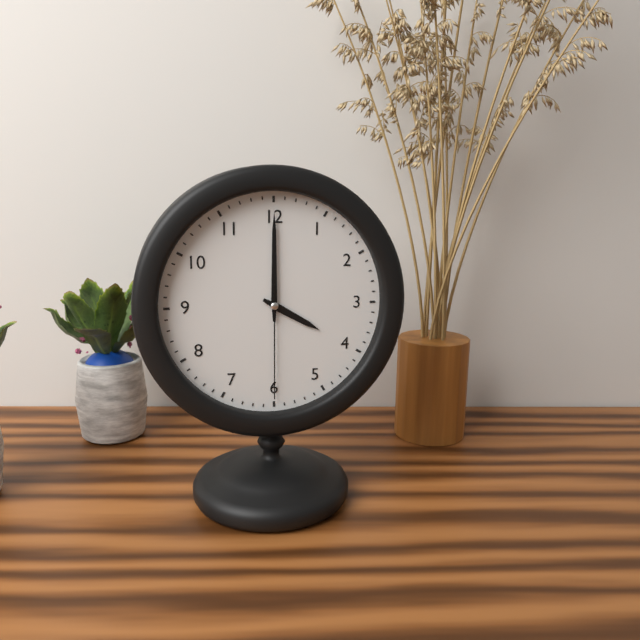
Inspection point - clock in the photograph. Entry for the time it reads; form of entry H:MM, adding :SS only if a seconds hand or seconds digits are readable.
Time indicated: 4:00:30
